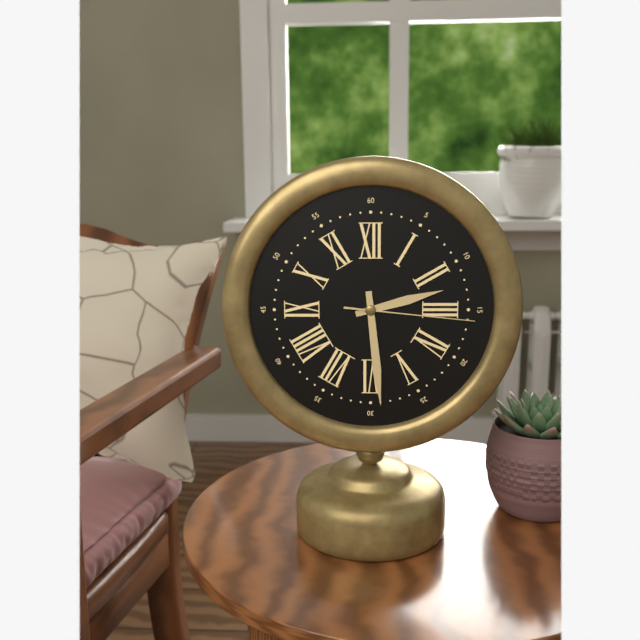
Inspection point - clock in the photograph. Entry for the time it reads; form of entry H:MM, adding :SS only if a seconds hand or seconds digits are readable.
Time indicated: 2:29:16
